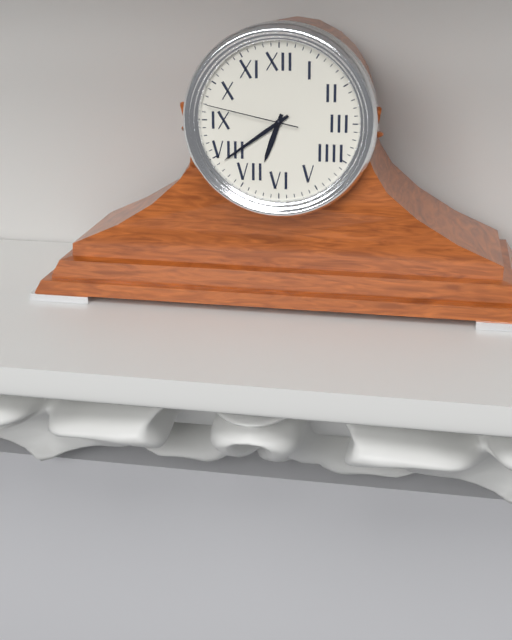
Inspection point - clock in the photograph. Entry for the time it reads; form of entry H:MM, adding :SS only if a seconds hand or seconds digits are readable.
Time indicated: 6:39:47
